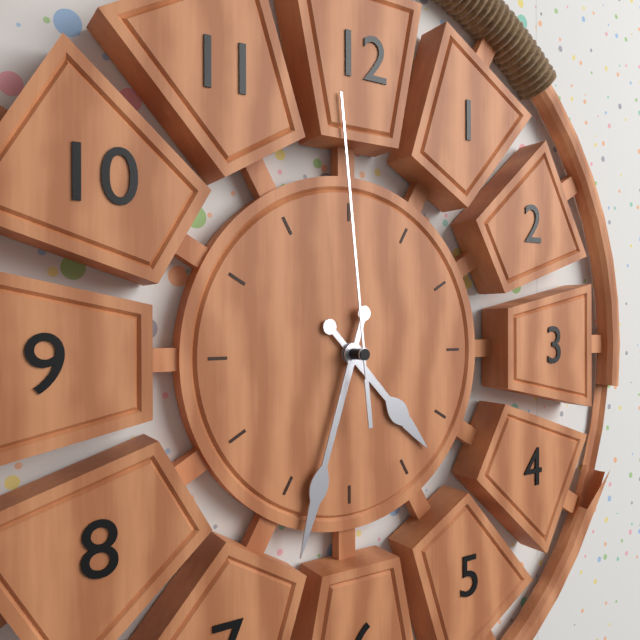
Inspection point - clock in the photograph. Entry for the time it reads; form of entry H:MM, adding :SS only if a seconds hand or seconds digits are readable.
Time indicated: 4:33:59
